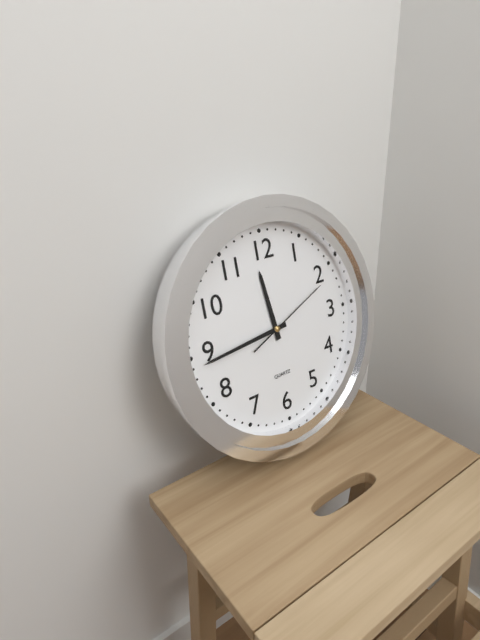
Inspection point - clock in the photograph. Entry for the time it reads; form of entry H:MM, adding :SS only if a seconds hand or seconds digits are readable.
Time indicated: 11:44:11
